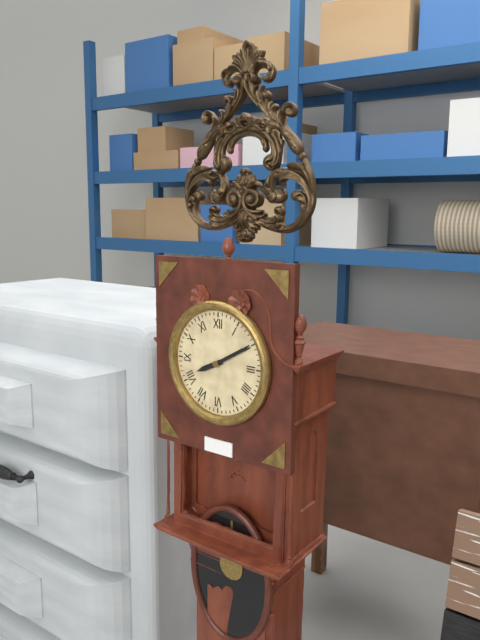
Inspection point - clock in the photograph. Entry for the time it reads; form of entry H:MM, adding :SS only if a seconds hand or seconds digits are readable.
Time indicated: 8:10
